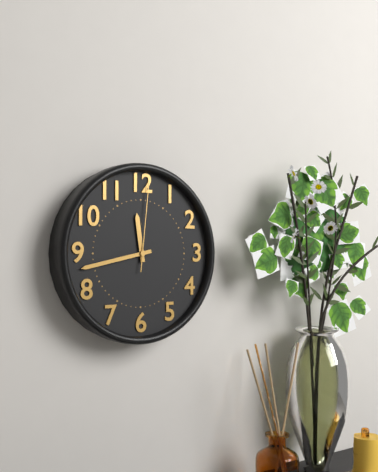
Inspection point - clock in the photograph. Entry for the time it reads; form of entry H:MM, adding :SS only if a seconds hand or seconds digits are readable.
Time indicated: 11:43:01
